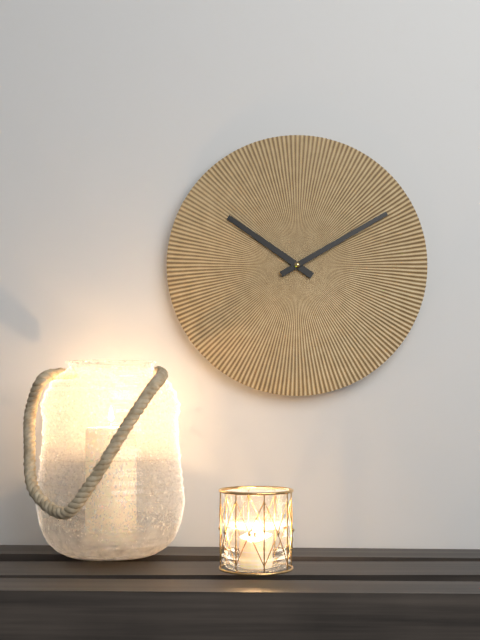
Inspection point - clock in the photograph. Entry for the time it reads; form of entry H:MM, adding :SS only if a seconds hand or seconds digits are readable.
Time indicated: 10:10
